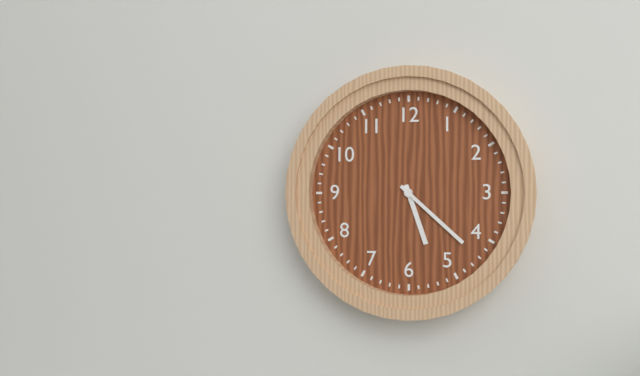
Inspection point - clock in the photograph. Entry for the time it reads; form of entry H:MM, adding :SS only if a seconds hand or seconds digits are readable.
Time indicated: 5:22
